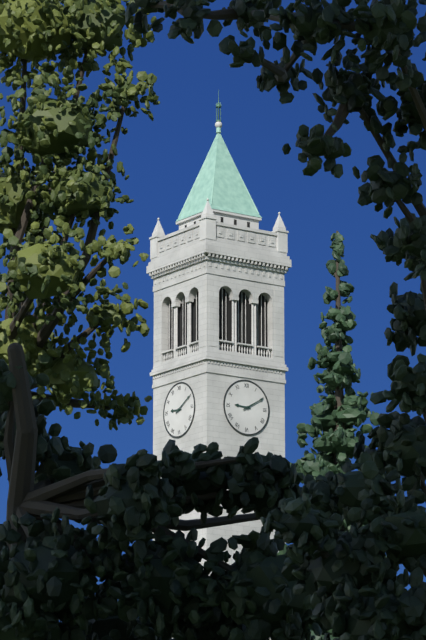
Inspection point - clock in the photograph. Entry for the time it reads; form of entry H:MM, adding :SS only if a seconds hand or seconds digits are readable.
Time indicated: 9:10
